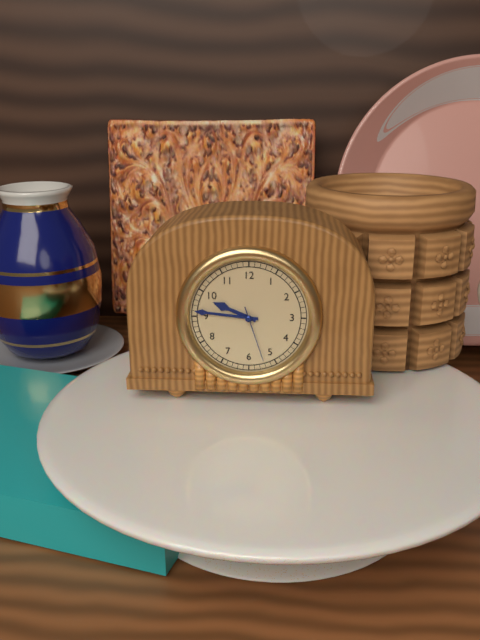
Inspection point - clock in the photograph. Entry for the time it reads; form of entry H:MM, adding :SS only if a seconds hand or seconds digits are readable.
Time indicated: 9:46:27
